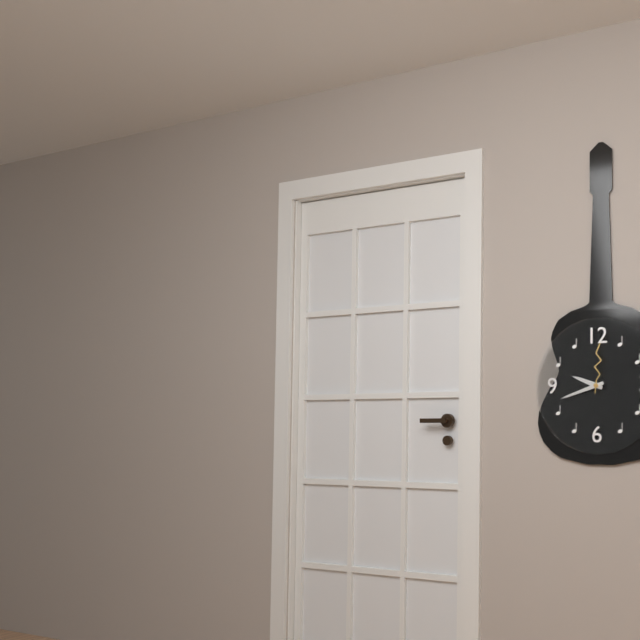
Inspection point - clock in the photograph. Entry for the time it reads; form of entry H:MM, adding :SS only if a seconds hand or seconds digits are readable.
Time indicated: 9:42:01
